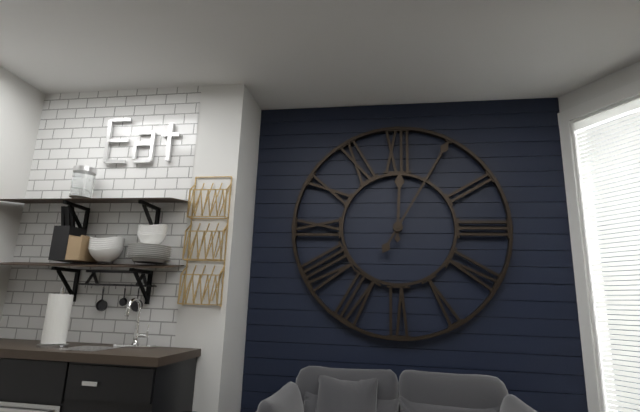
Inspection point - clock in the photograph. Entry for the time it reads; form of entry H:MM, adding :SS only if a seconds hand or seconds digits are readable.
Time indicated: 12:05
